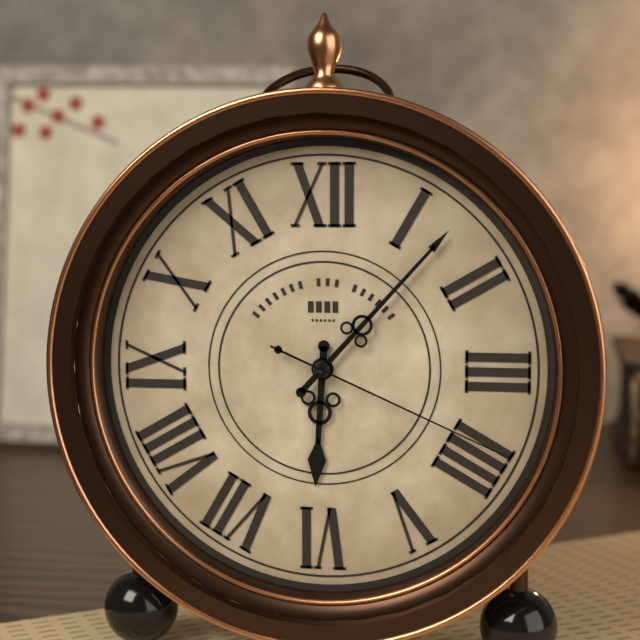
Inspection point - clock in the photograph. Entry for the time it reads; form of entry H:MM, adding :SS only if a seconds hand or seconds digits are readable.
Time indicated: 6:07:19
